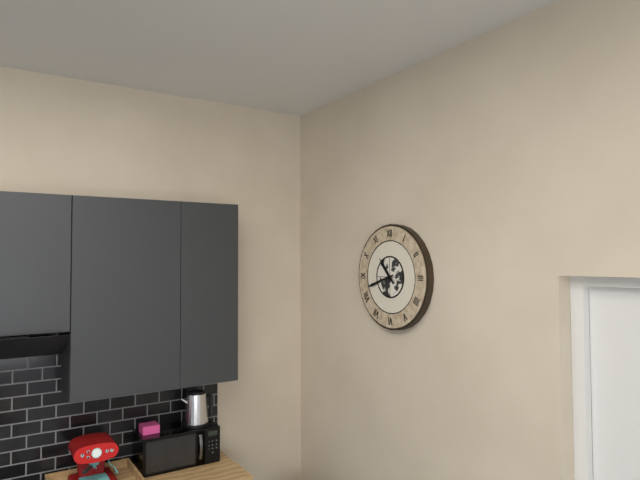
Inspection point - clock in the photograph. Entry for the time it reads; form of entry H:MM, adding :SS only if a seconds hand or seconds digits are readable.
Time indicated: 10:42
